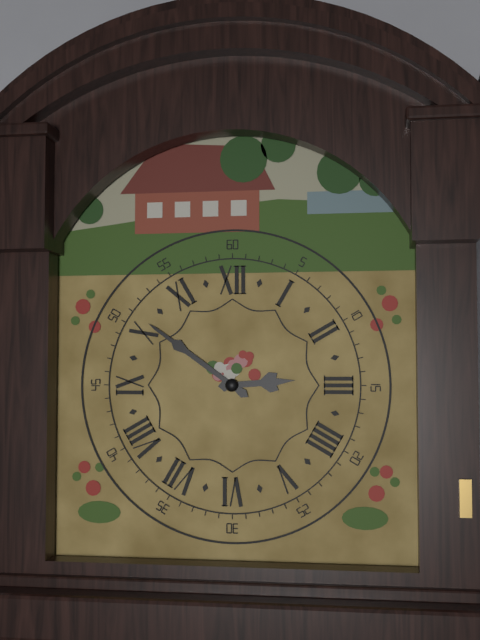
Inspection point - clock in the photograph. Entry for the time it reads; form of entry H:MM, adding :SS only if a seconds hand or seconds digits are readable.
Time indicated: 2:51
